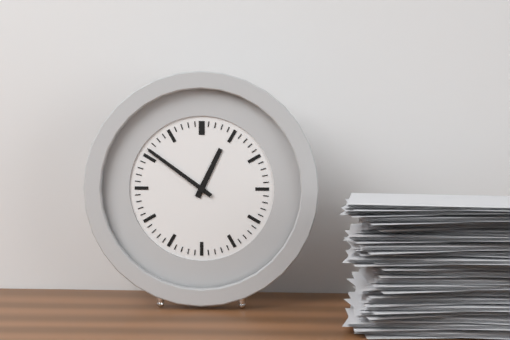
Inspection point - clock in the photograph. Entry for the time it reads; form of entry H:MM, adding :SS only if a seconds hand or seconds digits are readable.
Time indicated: 12:51
